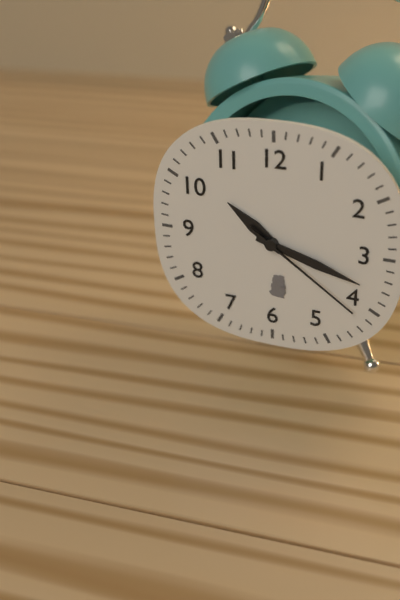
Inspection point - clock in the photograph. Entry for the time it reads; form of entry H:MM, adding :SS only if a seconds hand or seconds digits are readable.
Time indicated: 10:18:21
